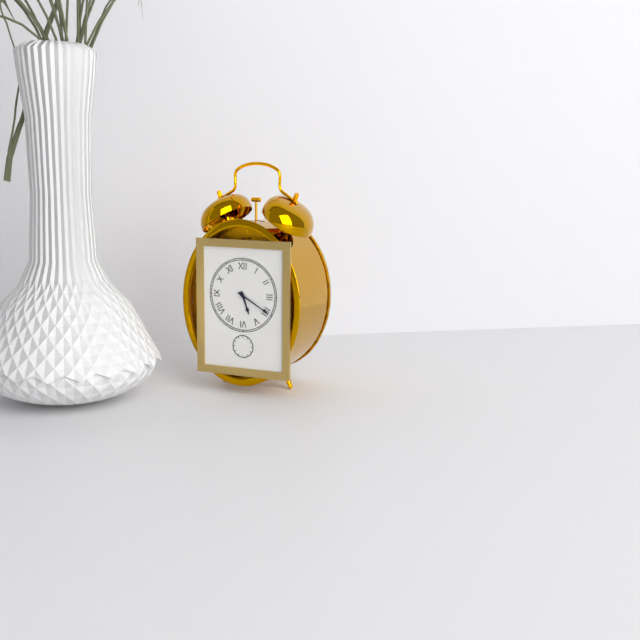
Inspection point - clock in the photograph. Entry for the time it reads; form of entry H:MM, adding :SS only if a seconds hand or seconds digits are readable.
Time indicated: 5:20
